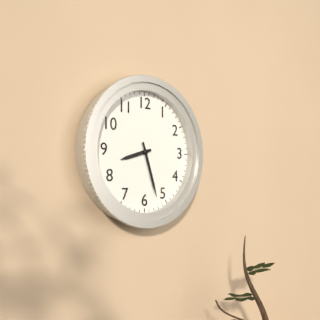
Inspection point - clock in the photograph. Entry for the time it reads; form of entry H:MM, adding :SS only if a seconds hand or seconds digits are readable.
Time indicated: 8:27
